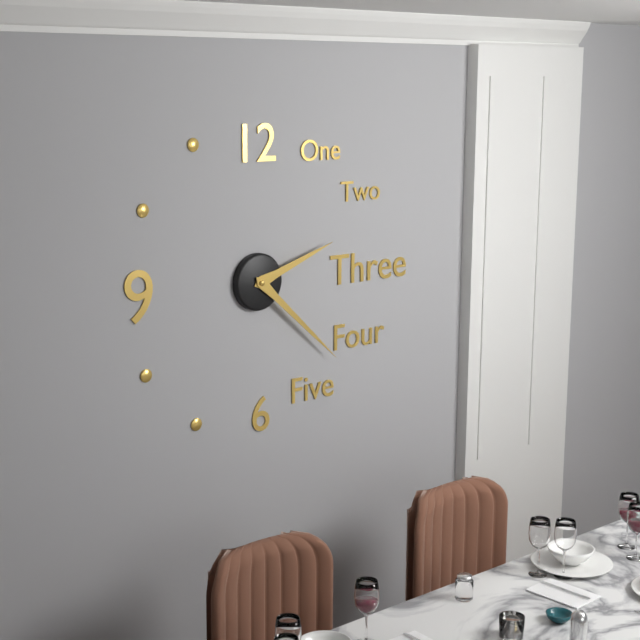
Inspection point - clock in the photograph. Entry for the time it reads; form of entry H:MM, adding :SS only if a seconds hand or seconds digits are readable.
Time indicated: 2:22
